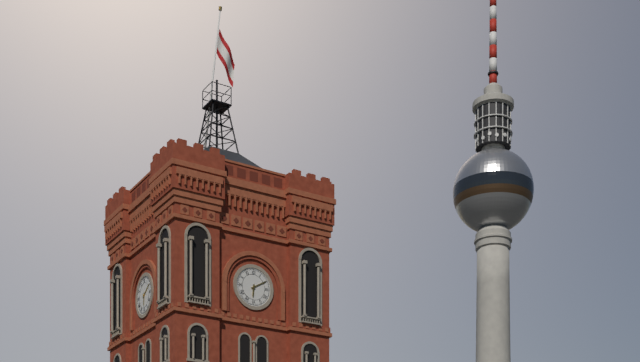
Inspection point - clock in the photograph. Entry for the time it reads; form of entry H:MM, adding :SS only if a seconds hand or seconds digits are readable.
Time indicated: 6:10
